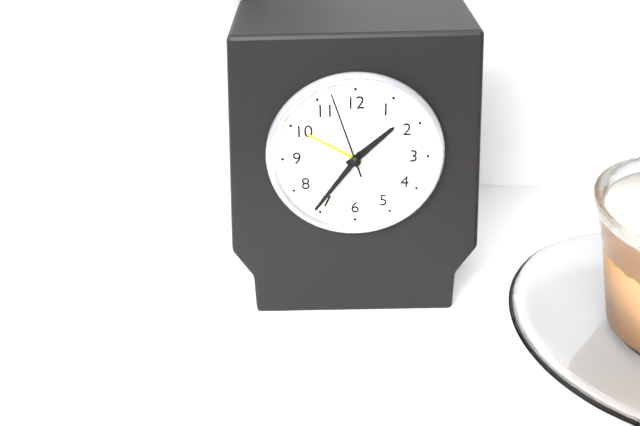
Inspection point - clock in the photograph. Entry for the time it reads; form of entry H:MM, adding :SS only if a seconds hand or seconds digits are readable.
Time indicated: 1:36:57
